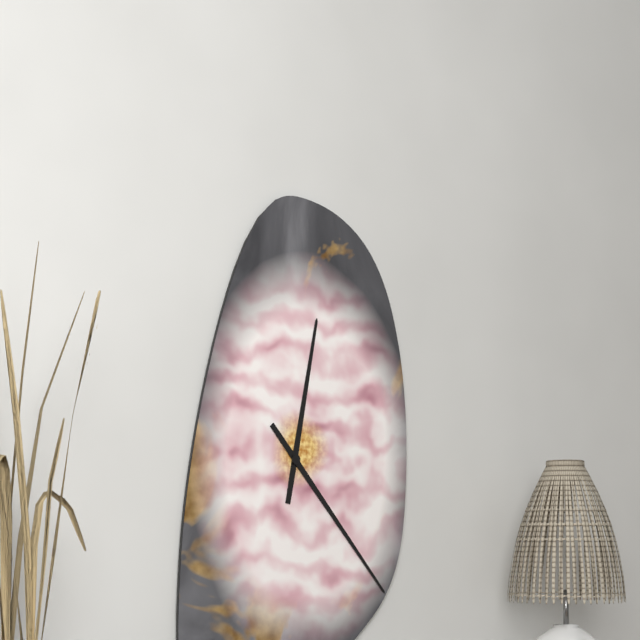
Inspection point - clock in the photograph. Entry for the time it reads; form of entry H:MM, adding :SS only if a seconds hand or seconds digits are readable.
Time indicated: 12:23
